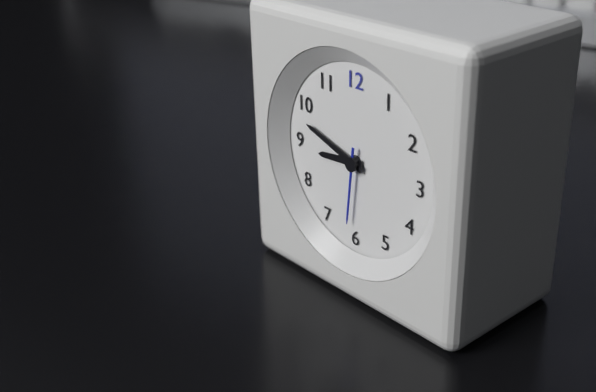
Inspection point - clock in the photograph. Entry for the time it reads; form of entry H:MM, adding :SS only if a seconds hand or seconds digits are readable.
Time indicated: 8:48:31
